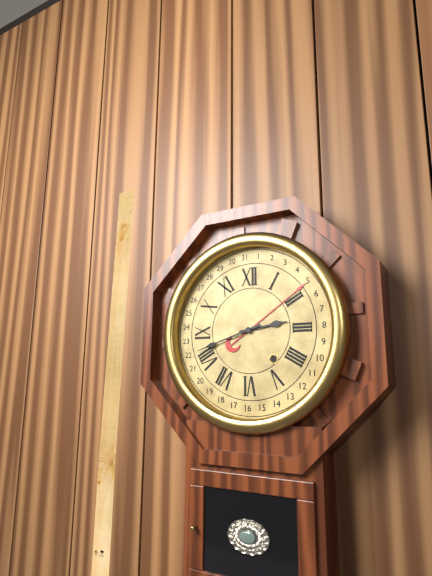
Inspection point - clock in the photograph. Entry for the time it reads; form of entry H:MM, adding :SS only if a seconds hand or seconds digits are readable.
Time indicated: 2:42
